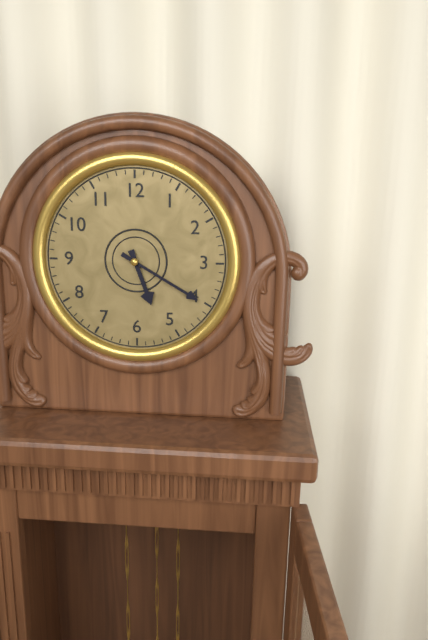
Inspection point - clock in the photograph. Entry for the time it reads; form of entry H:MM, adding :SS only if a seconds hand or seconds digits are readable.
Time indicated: 5:20
